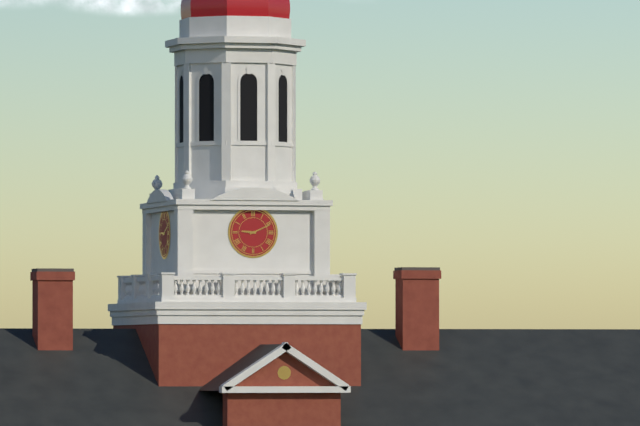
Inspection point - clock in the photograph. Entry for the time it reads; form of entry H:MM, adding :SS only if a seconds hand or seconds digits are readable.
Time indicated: 9:11
